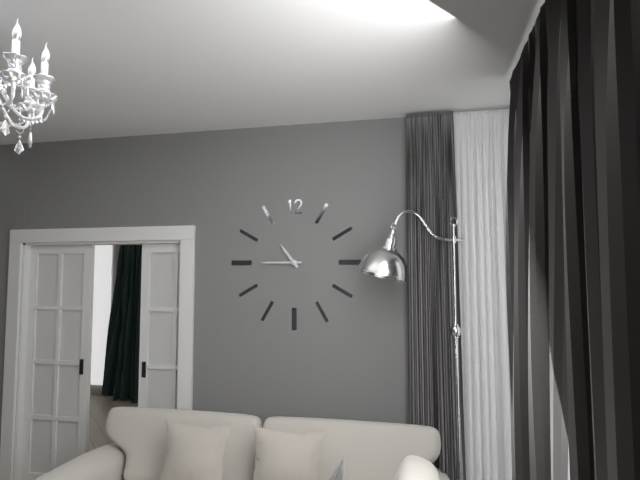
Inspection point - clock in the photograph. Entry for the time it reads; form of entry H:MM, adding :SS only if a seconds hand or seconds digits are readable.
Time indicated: 10:45
